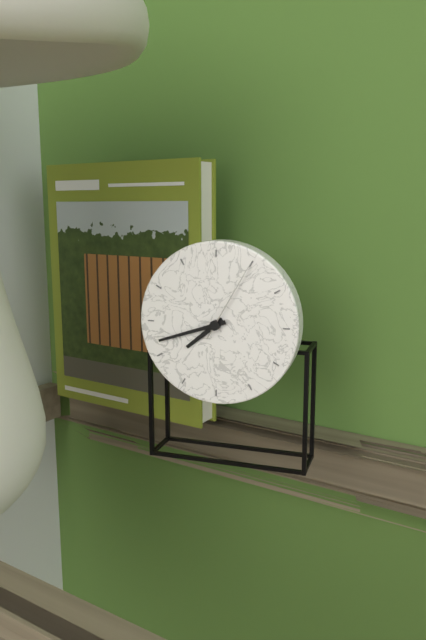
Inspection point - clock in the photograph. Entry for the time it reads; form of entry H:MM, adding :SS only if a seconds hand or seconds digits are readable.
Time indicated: 7:42:05
